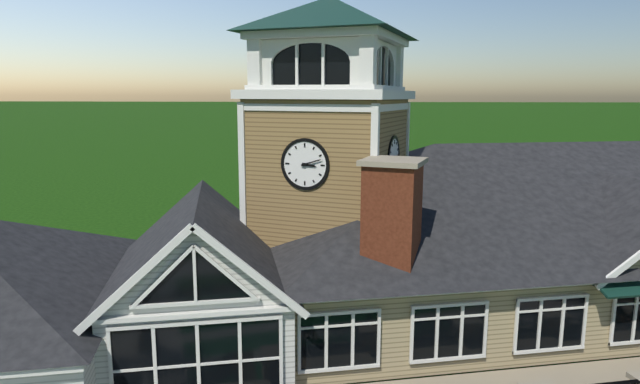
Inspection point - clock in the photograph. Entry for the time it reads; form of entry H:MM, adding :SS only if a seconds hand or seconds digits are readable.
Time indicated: 3:12
